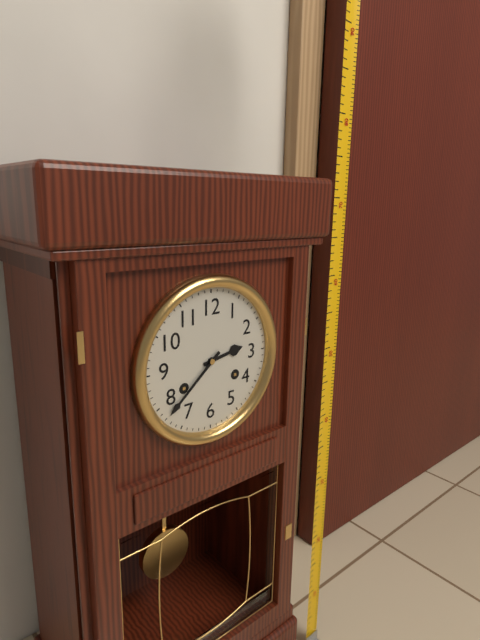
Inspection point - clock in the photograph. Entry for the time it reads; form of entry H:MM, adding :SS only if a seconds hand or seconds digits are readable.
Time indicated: 2:38
